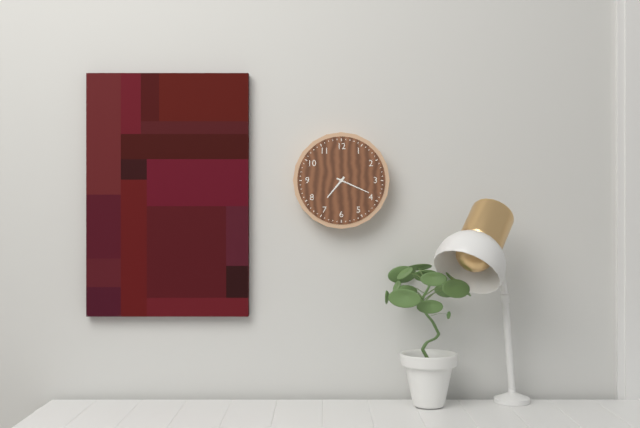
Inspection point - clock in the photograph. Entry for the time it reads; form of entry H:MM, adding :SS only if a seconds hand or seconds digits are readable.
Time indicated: 7:19
